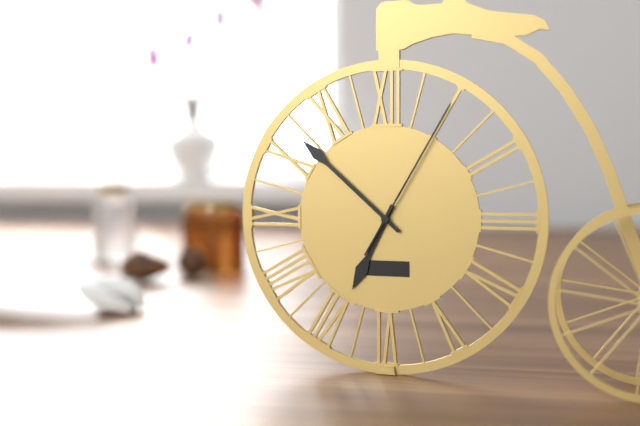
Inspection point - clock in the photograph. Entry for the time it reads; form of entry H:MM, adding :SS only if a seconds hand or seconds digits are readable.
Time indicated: 6:52:05
